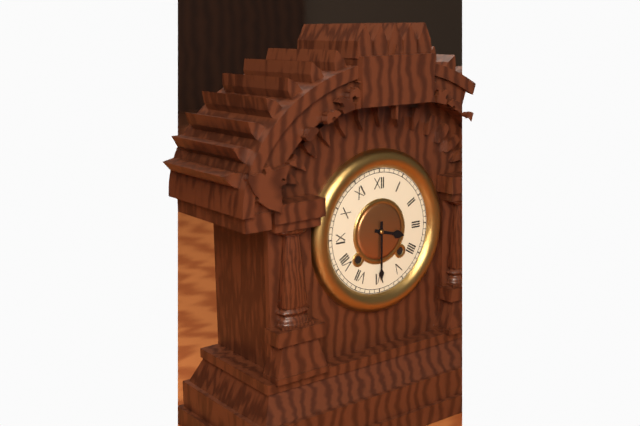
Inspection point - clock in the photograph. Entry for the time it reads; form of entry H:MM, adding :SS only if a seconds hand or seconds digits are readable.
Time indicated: 3:30
